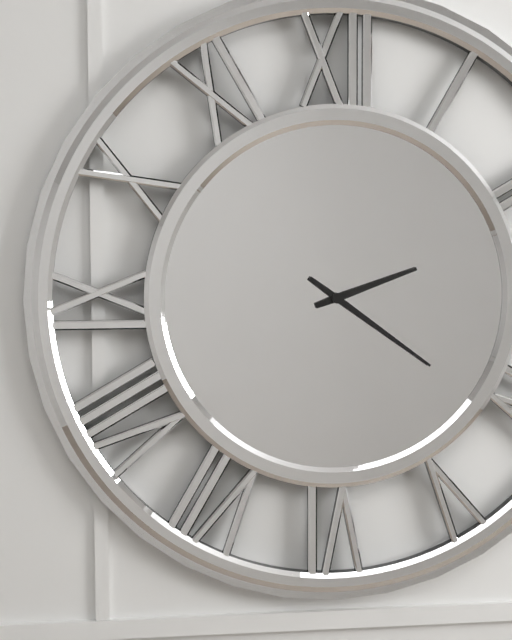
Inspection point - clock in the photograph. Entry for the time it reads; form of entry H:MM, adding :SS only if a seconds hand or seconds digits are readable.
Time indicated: 2:21
